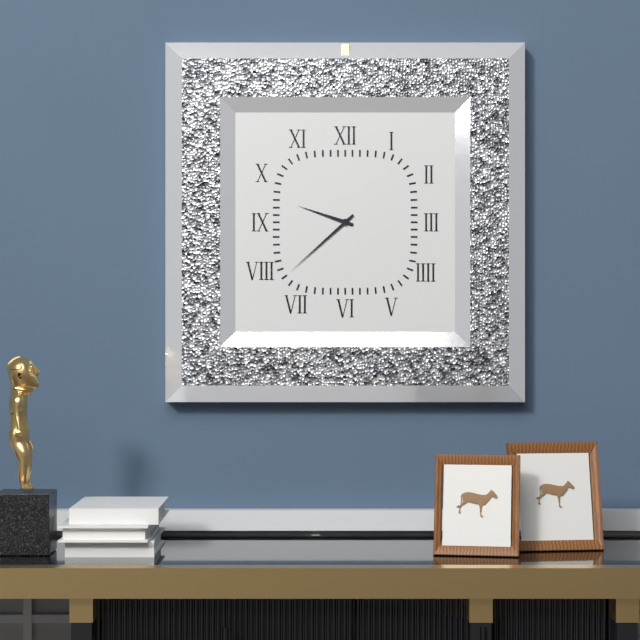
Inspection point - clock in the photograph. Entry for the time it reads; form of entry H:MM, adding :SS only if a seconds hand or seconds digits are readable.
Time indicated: 9:38
